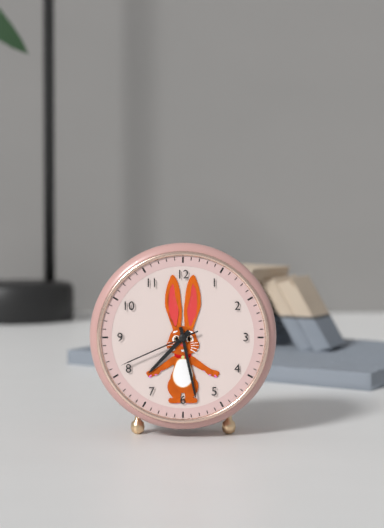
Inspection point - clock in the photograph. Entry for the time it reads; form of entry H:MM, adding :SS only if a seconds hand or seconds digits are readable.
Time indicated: 7:28:41
